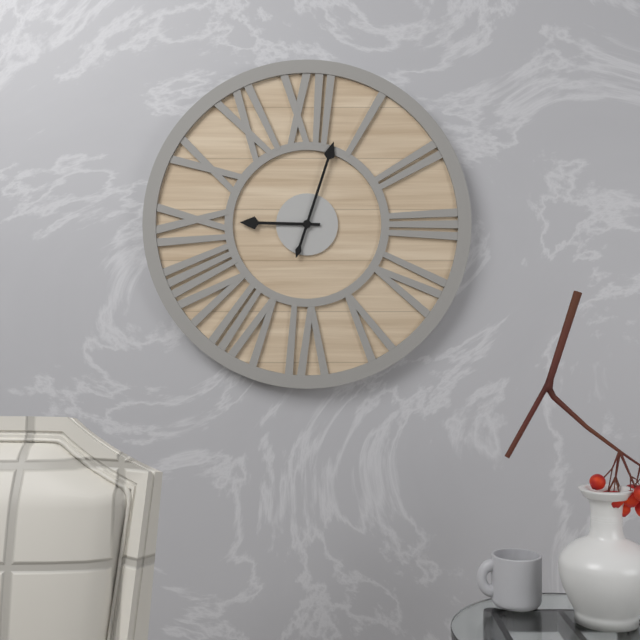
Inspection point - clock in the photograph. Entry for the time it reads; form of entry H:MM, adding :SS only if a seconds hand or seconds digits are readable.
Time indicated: 9:03
